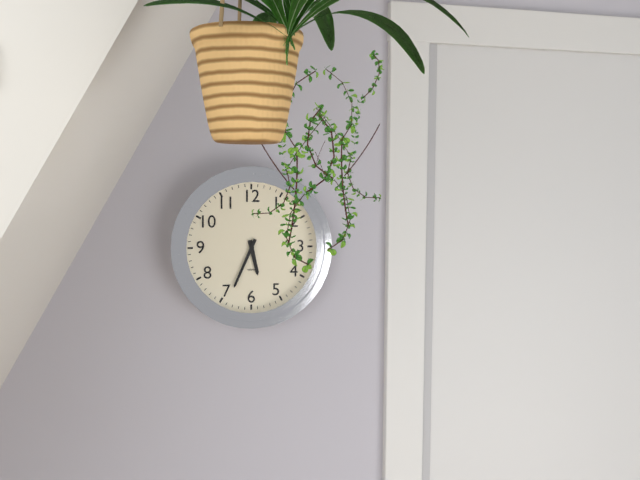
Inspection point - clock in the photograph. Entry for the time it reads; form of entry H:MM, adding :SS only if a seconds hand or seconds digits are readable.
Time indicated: 5:34
